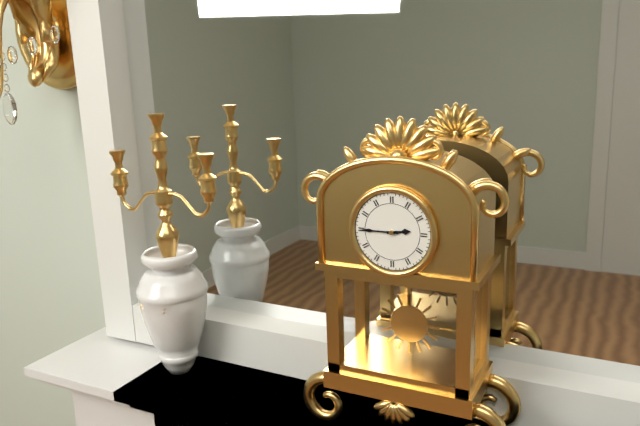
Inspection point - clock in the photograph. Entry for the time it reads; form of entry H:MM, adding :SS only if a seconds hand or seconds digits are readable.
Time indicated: 2:45
